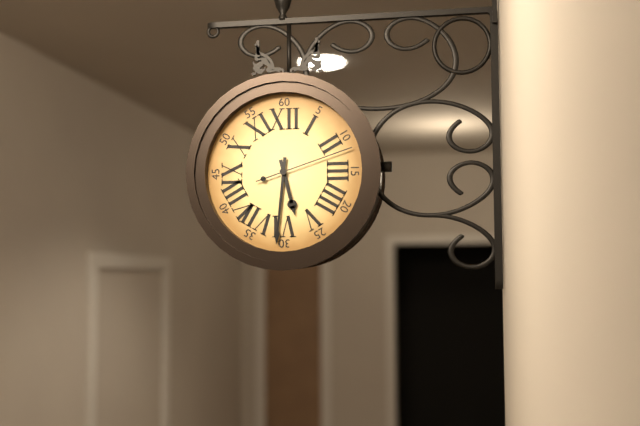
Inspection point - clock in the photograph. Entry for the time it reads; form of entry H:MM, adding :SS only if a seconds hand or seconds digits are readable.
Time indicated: 5:31:12
